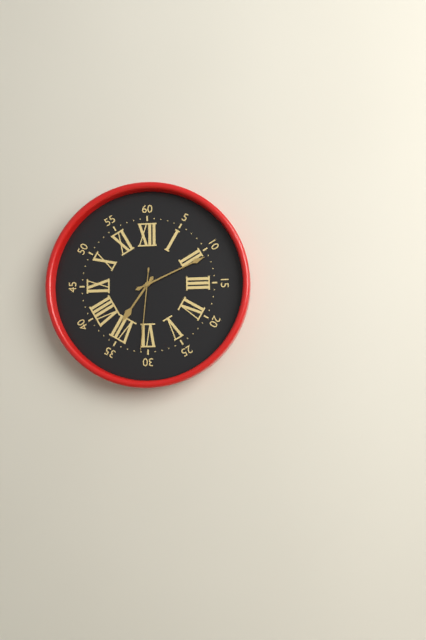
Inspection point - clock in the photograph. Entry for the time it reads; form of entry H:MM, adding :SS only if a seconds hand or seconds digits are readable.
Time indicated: 7:11:31
